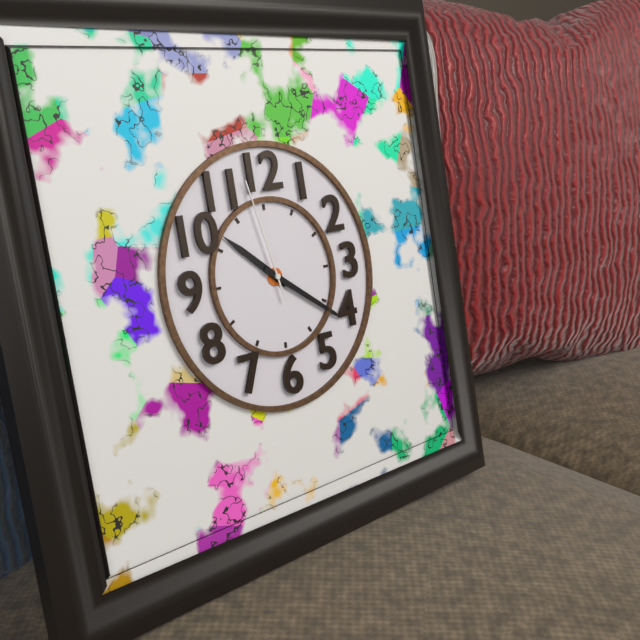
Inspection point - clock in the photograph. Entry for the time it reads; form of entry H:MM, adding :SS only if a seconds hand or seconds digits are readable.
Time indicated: 10:21:58
